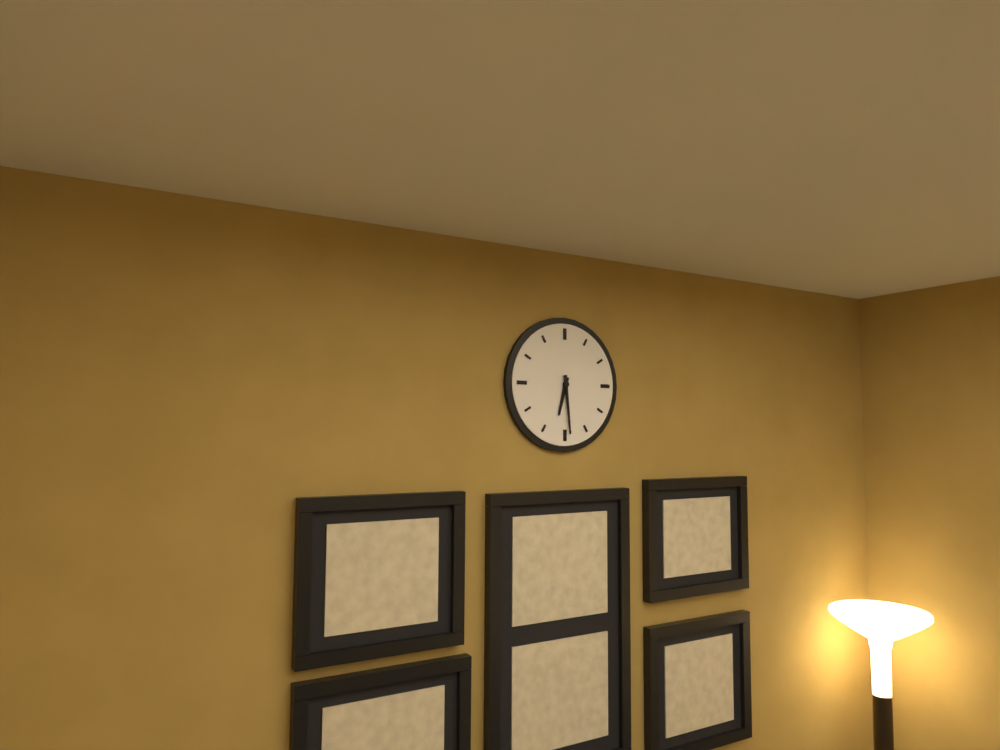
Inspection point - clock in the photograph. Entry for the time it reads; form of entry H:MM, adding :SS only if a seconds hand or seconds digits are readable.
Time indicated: 6:29
